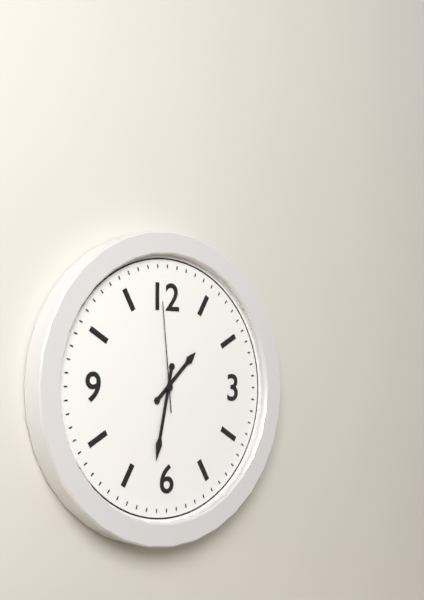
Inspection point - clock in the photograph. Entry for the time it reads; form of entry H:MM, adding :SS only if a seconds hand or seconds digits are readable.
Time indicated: 1:32:59
